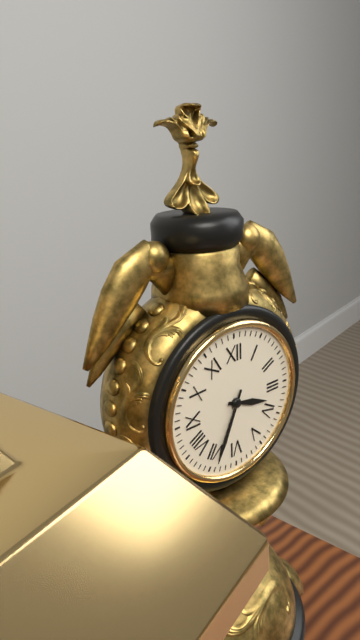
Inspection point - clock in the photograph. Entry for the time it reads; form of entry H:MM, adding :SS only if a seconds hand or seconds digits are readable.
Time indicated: 3:34
